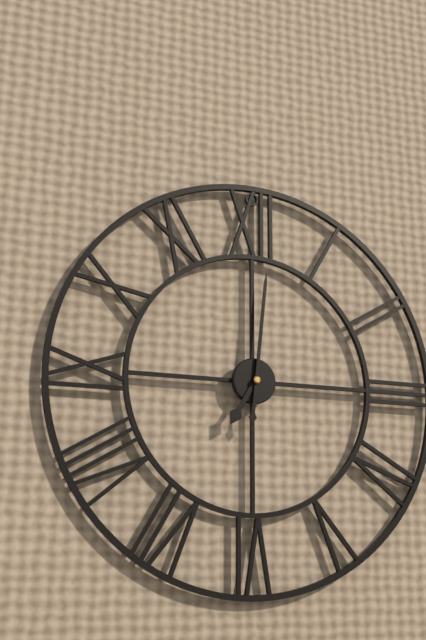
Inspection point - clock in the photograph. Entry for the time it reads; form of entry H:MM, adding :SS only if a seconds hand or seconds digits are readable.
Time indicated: 7:01
